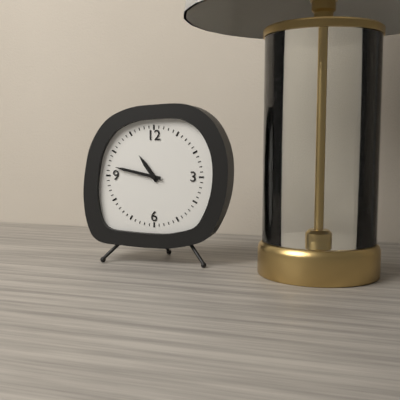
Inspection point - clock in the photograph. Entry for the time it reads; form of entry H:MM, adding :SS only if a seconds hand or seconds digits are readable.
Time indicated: 10:47
